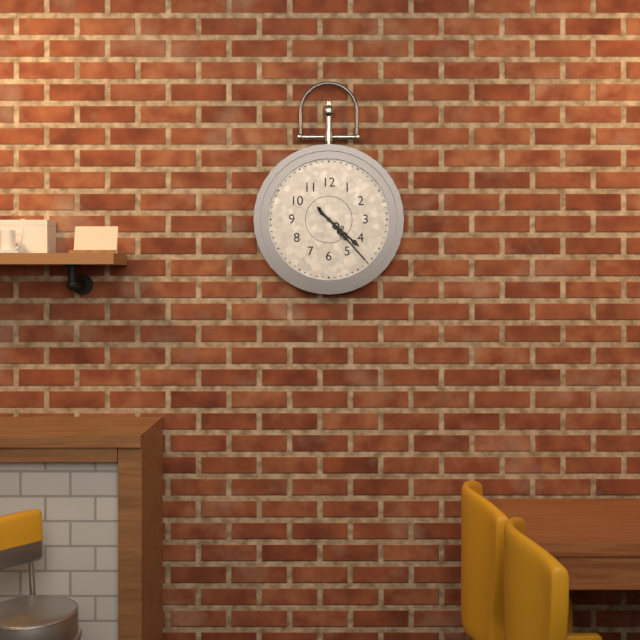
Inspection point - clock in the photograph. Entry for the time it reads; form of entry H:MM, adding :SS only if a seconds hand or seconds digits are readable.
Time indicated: 4:23
